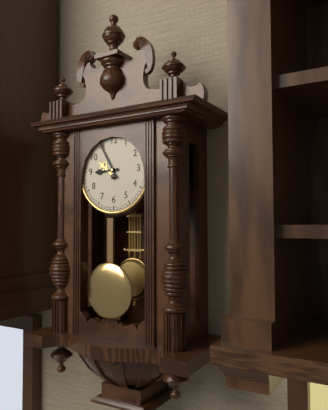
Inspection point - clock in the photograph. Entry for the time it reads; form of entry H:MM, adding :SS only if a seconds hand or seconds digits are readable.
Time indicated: 8:55
